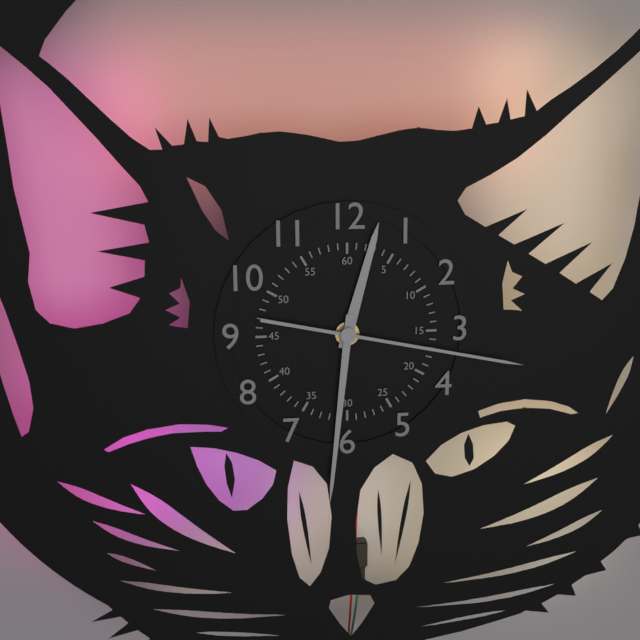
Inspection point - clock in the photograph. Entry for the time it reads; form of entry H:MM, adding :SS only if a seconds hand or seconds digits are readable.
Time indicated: 12:31:17
